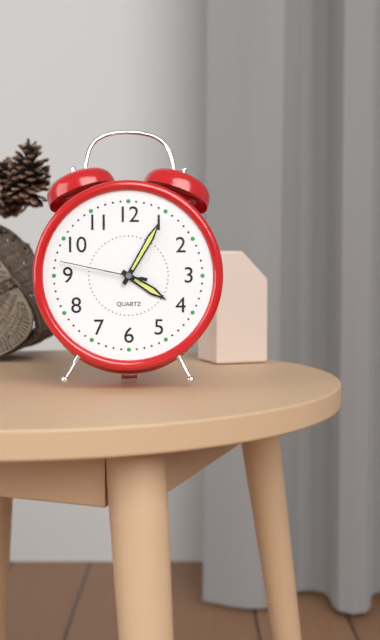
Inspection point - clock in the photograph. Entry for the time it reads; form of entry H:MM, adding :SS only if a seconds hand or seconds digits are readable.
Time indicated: 4:05:47
